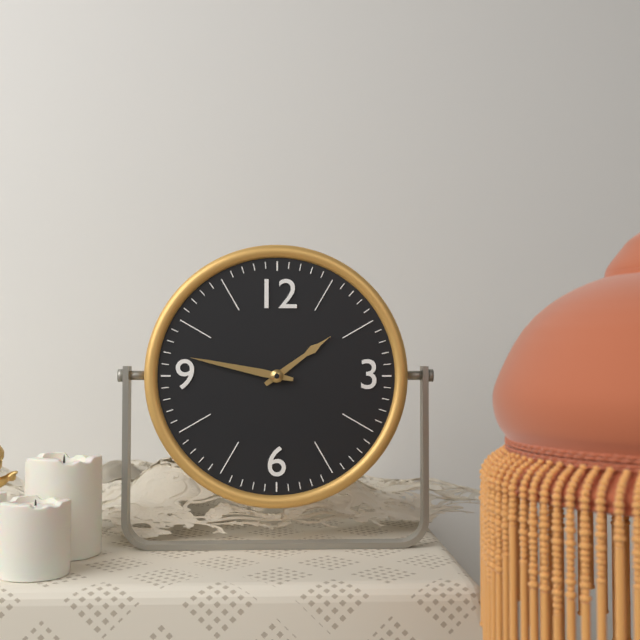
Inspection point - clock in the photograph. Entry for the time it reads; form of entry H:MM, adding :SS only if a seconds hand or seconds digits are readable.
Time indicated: 1:47
